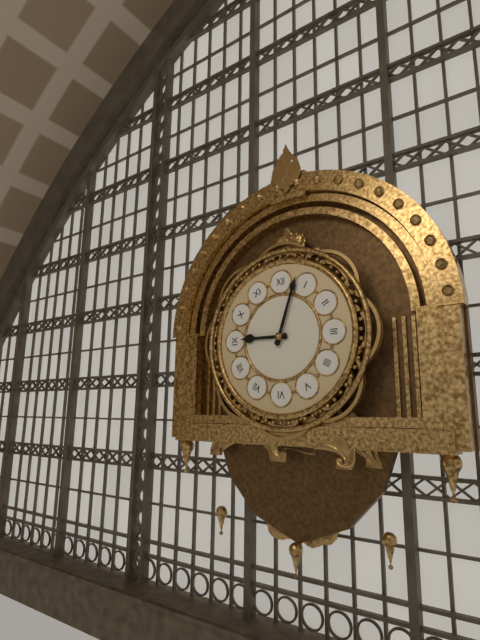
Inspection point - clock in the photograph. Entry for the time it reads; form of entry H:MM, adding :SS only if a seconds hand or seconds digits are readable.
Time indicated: 9:03
